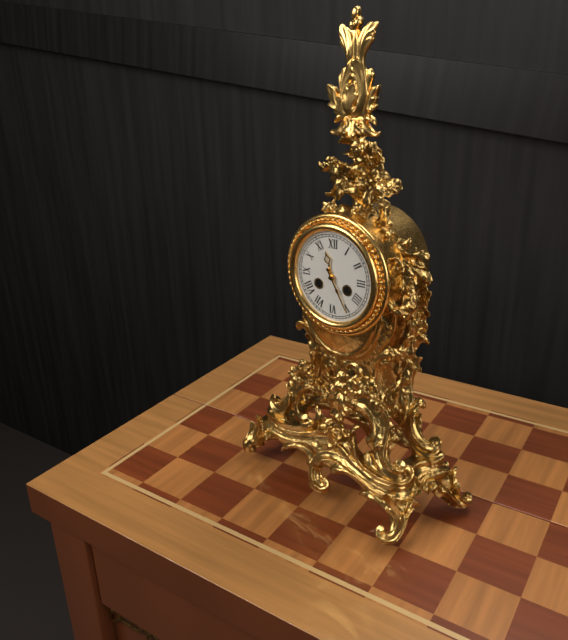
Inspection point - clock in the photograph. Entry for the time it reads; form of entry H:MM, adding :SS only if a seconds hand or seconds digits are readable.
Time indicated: 11:25
